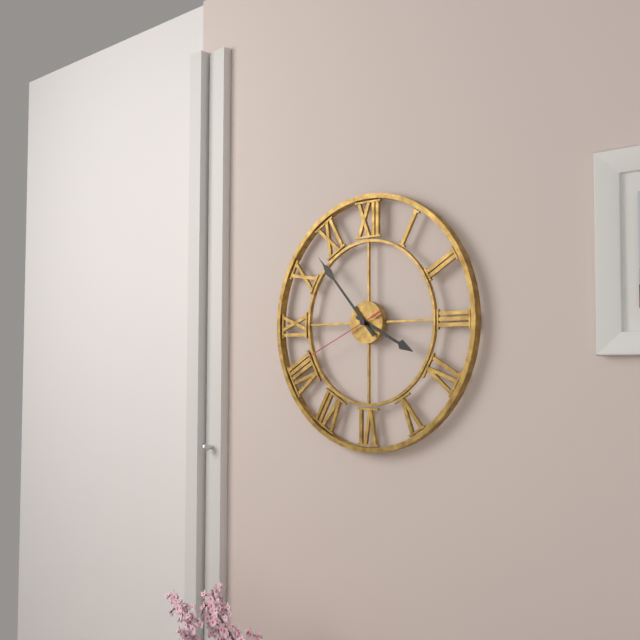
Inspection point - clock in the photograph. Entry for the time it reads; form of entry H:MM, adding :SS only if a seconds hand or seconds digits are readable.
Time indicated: 3:53:41
